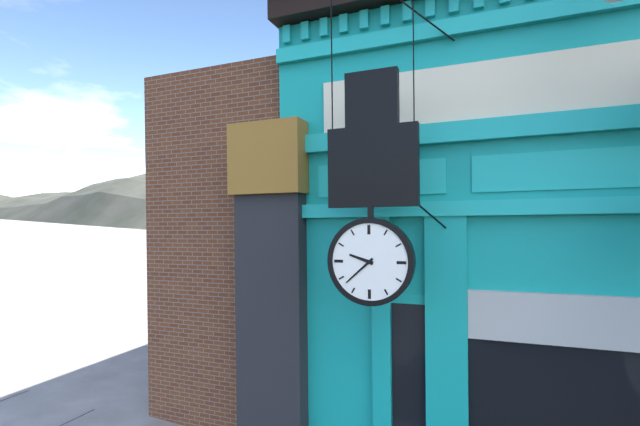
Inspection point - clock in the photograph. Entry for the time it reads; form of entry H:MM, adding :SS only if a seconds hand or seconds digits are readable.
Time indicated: 9:38
